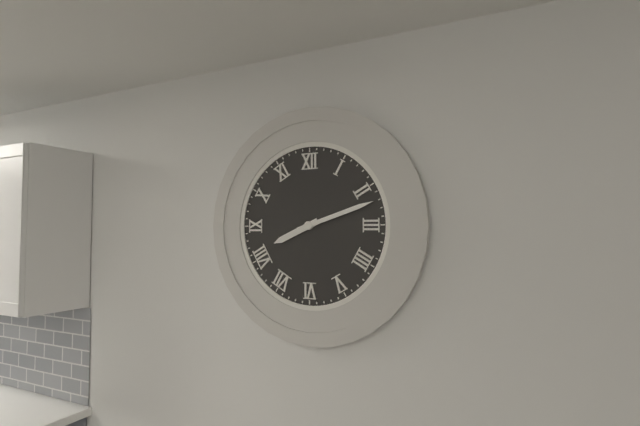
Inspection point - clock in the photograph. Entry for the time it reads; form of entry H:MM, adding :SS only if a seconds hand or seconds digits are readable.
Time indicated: 8:12
